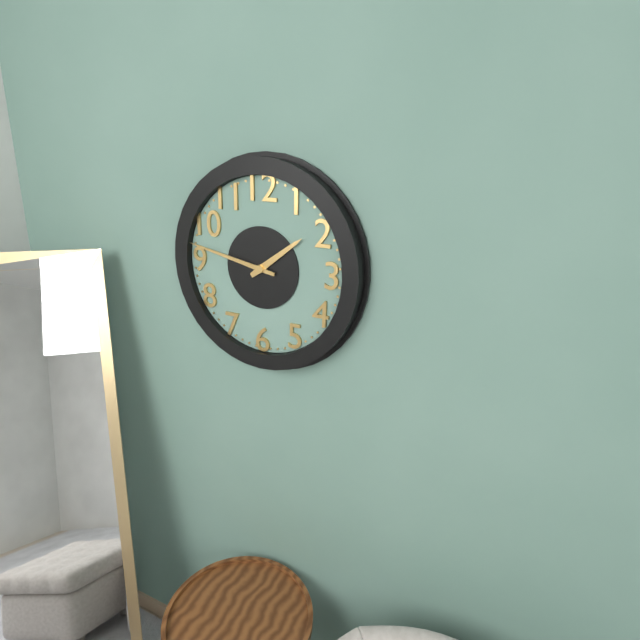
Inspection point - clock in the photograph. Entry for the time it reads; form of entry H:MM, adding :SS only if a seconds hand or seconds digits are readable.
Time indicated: 1:47
